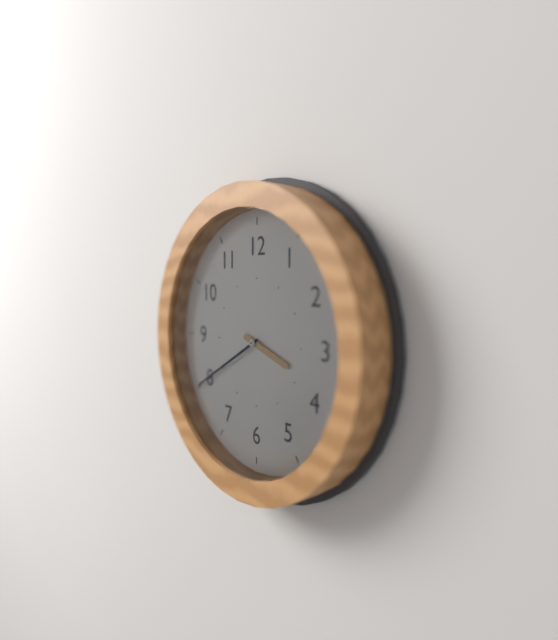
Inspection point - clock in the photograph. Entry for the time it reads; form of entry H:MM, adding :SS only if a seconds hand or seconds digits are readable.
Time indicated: 3:40
